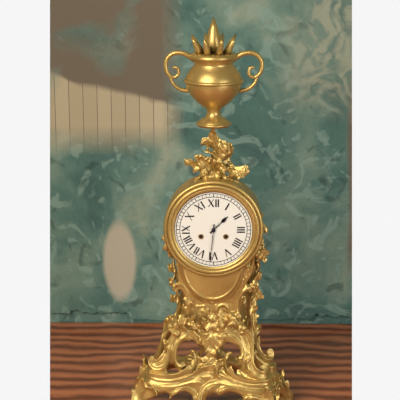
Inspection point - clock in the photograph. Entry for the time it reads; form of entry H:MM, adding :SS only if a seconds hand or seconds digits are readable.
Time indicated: 1:31
